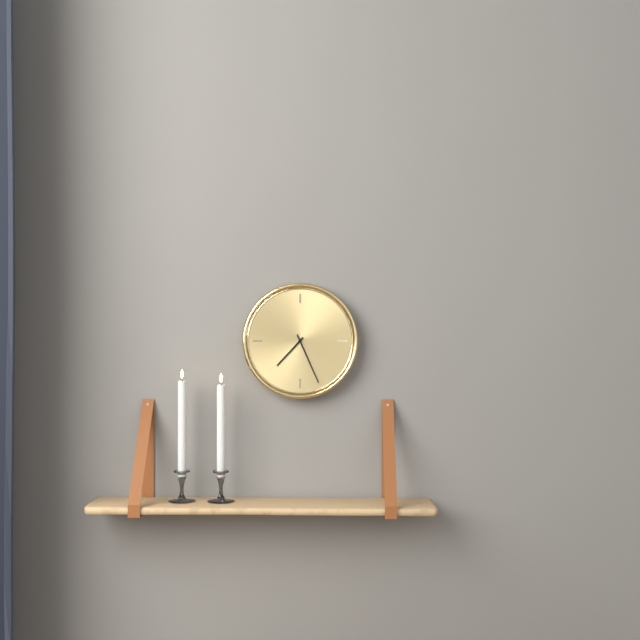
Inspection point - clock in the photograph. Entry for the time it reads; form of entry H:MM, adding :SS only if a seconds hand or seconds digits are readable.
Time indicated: 7:26
